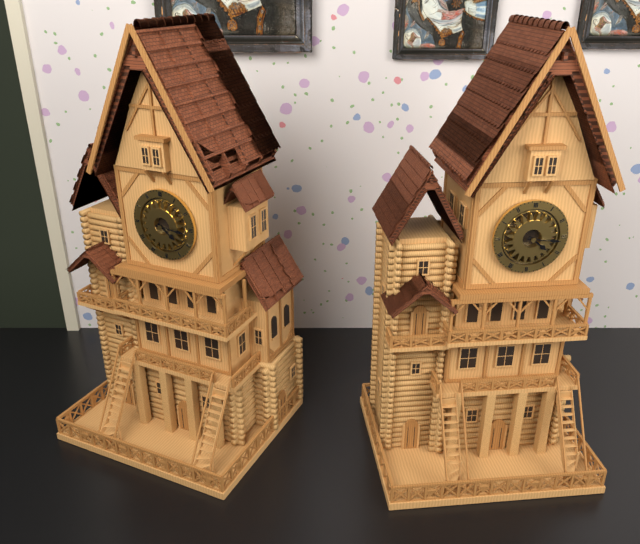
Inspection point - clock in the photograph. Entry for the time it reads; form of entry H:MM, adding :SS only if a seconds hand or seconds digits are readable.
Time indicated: 4:16
